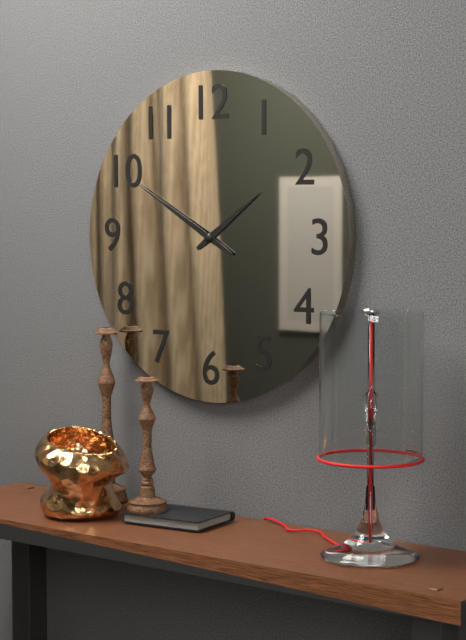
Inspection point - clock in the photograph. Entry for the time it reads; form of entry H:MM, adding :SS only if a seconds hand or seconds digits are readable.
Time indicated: 1:50
